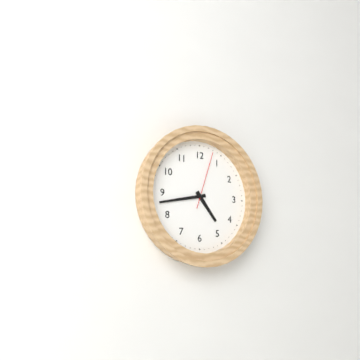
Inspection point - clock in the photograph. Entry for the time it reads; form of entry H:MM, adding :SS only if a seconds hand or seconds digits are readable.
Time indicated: 4:43:03
